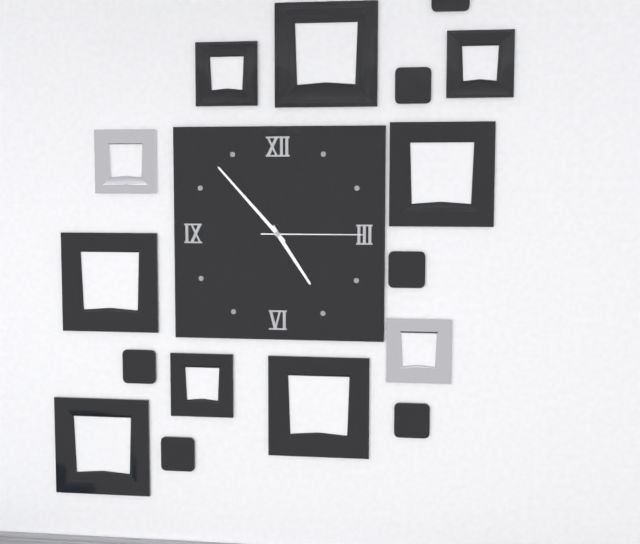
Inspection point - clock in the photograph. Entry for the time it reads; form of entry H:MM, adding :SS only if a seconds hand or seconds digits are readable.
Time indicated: 4:53:15
